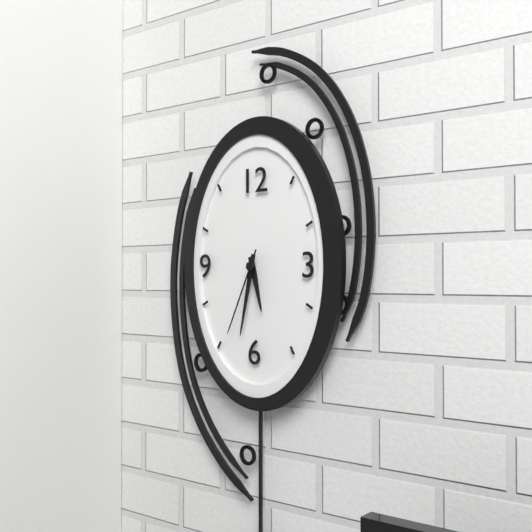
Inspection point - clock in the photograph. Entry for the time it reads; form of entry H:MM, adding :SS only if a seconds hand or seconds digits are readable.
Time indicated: 5:32:34
